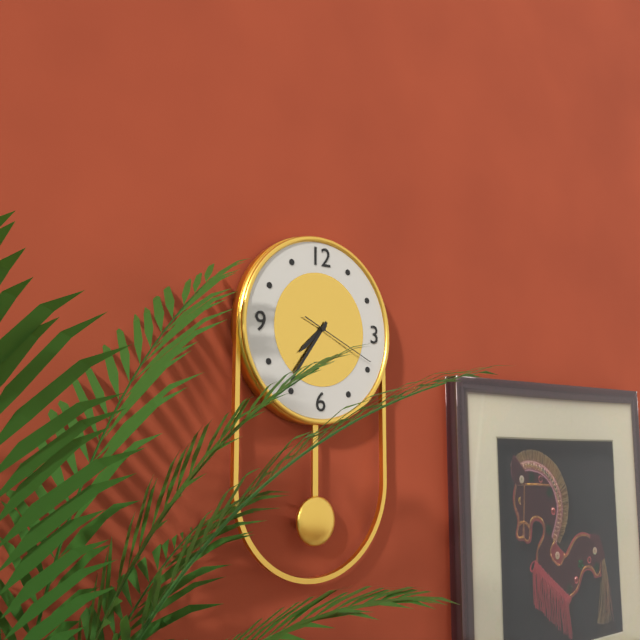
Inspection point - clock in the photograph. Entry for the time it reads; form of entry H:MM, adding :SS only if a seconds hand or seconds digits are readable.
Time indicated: 7:36:19
